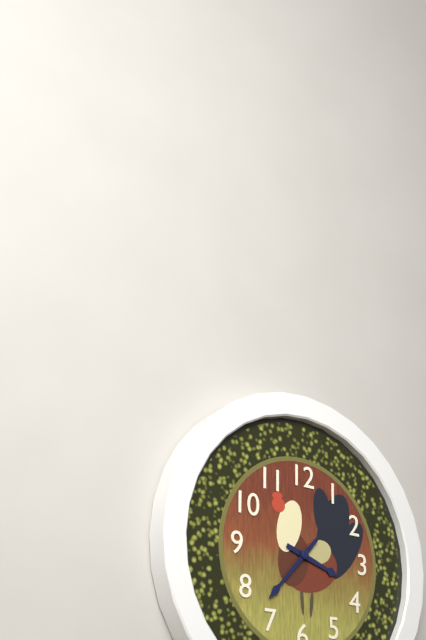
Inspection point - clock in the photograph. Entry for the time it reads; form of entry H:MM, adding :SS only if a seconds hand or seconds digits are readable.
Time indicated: 3:37
